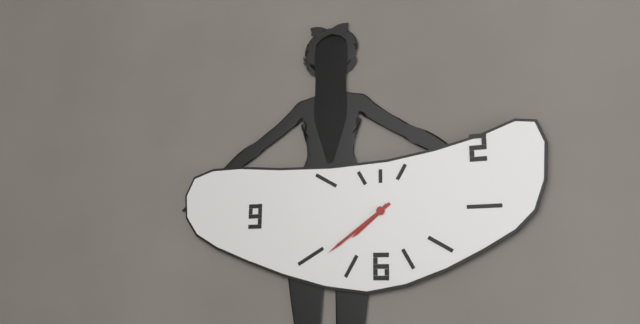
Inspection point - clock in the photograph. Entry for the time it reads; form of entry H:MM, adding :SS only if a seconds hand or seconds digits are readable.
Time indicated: 7:39
